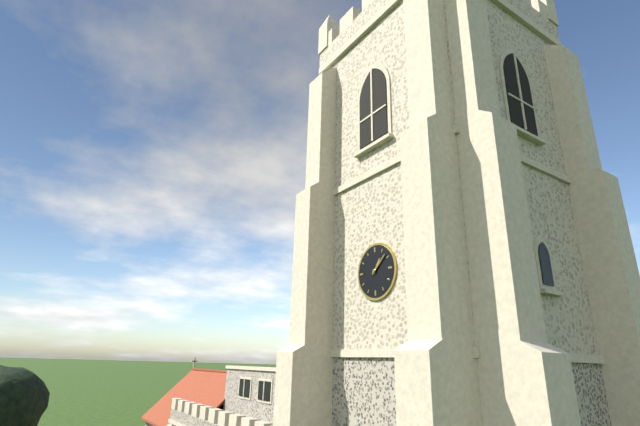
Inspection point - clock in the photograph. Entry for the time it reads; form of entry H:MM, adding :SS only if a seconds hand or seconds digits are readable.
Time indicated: 1:08
